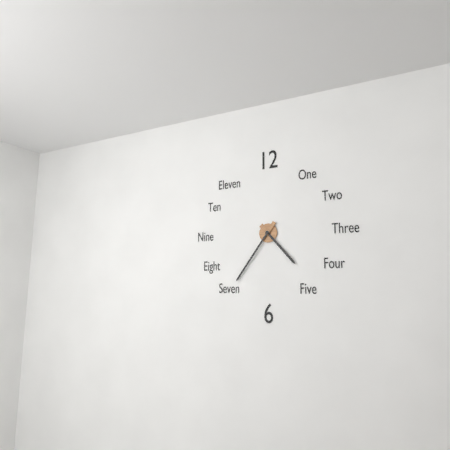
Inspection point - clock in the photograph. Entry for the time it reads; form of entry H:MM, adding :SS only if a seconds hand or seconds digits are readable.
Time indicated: 4:36
